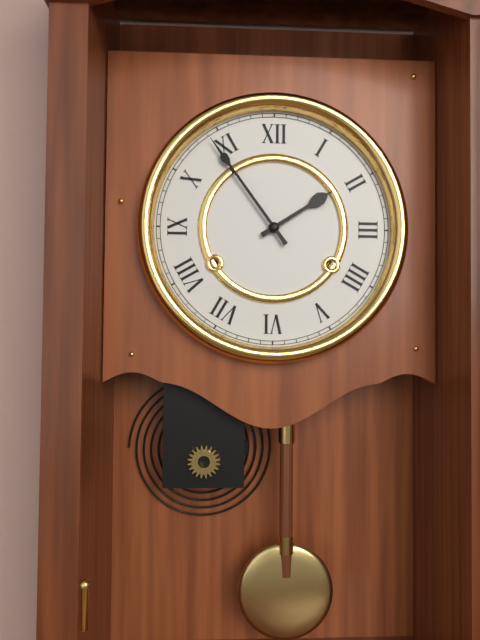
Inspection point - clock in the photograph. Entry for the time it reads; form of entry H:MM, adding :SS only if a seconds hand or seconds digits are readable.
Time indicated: 1:54
